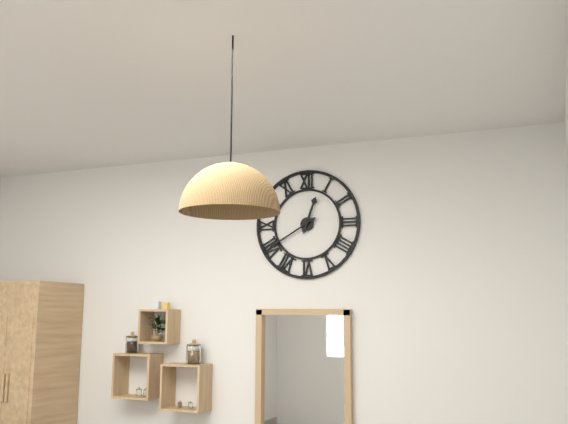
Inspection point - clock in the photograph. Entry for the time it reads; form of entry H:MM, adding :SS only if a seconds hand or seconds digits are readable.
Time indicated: 12:40
